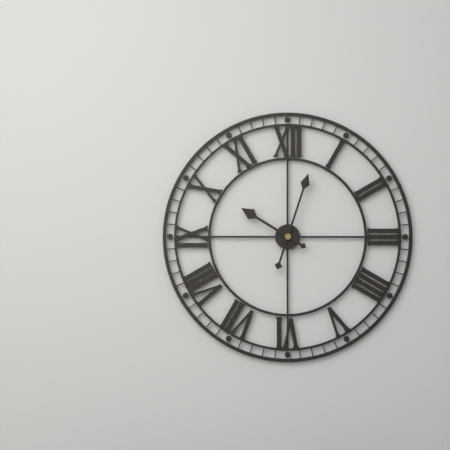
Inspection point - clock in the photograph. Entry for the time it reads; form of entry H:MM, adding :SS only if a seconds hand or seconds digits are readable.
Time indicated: 10:03
